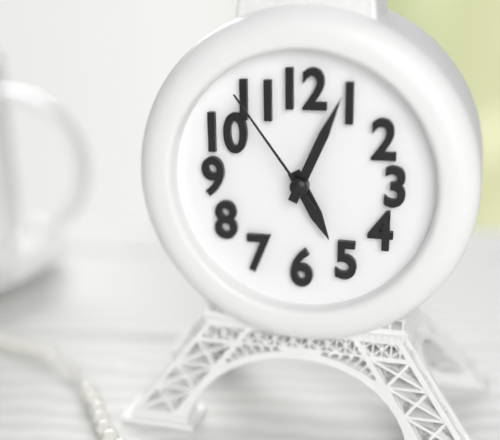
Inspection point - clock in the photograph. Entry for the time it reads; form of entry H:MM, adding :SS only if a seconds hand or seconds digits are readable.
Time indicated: 5:04:54
